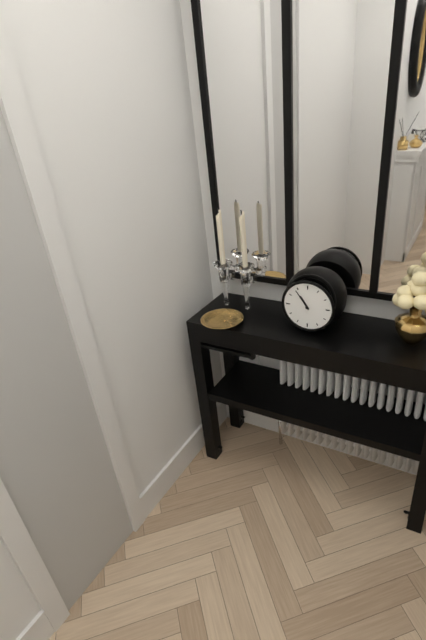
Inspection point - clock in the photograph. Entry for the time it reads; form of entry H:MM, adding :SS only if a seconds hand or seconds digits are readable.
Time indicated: 10:54
